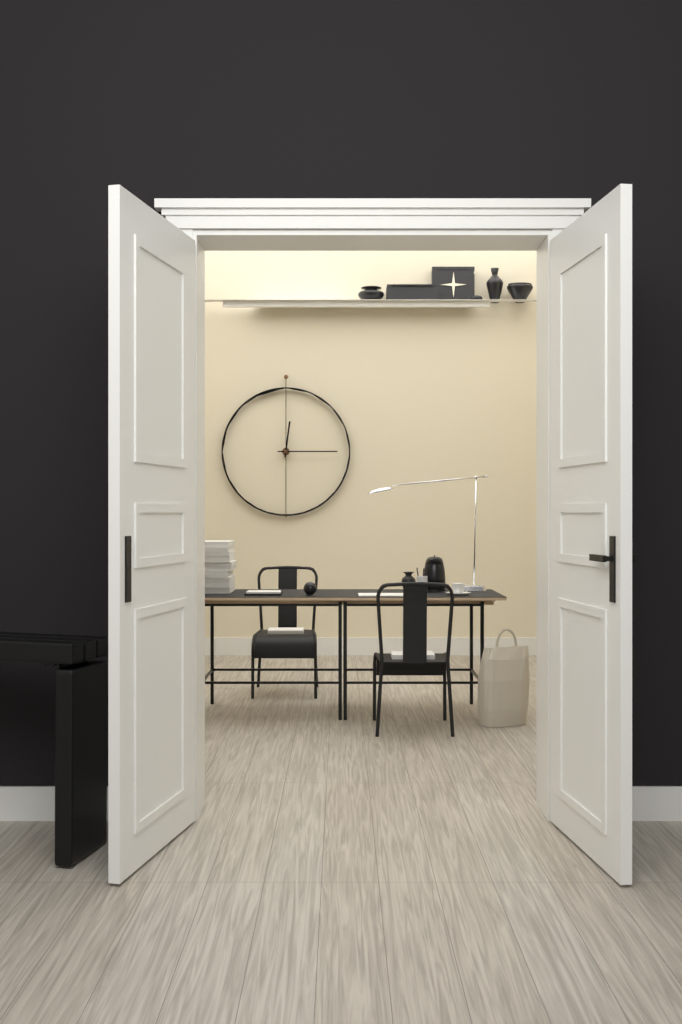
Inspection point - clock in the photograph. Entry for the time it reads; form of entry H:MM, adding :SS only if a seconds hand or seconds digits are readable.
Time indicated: 12:15
